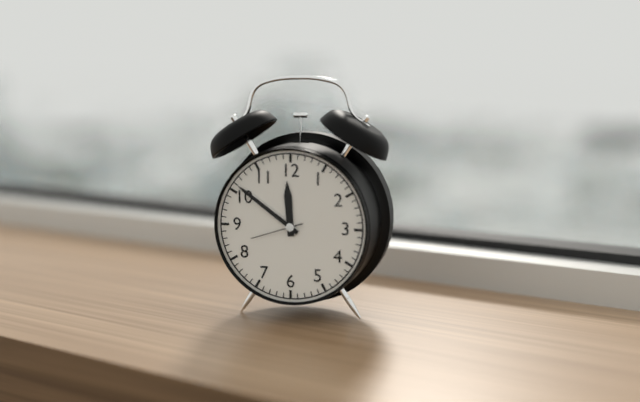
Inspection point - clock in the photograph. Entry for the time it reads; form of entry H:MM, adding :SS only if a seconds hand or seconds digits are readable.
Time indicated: 11:51:42
